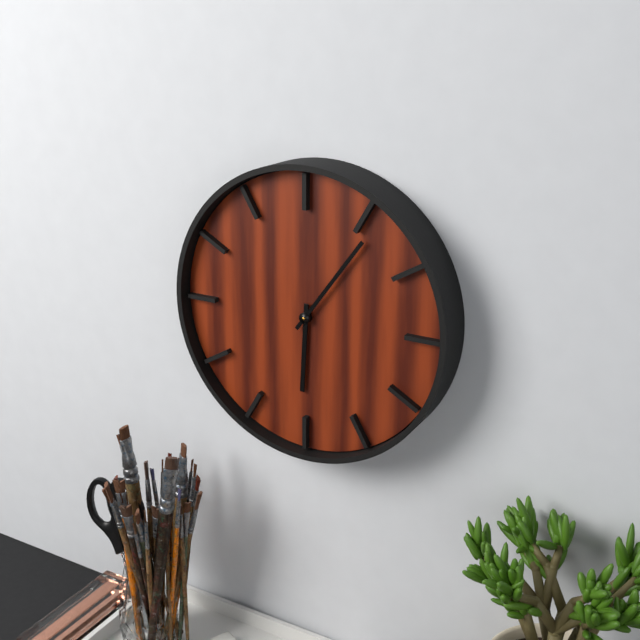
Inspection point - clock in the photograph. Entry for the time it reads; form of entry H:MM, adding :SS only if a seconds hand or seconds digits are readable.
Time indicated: 6:06
